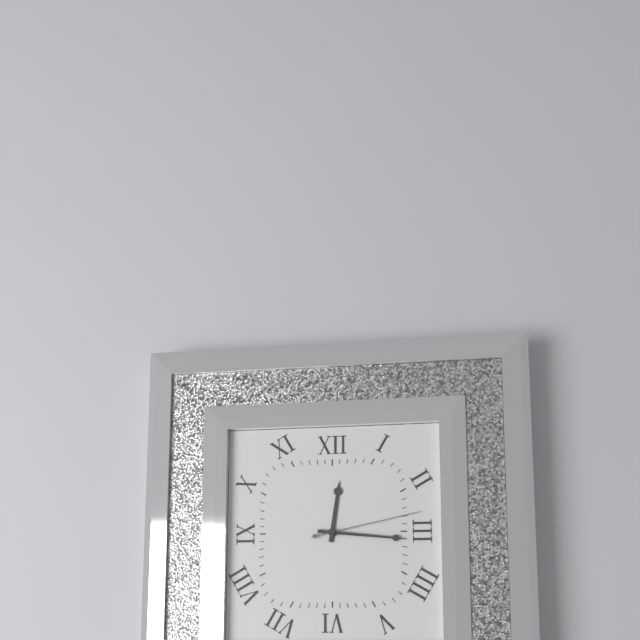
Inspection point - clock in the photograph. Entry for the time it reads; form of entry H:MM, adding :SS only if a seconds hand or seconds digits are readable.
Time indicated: 12:16:13
